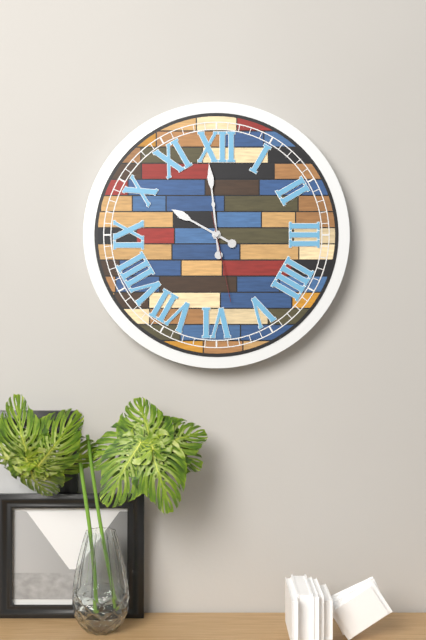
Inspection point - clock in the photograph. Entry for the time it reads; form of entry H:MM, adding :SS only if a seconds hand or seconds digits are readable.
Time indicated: 9:59:28
